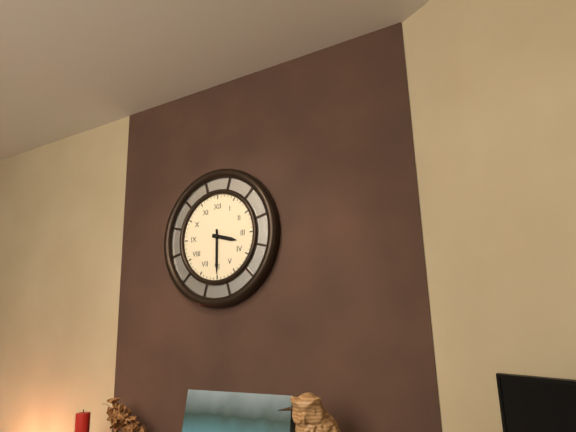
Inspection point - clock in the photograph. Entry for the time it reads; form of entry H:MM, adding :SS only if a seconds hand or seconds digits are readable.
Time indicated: 3:30
